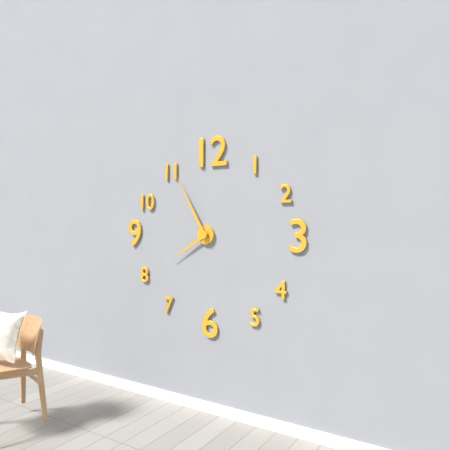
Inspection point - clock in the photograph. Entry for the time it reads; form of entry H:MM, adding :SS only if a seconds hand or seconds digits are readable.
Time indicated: 7:55
